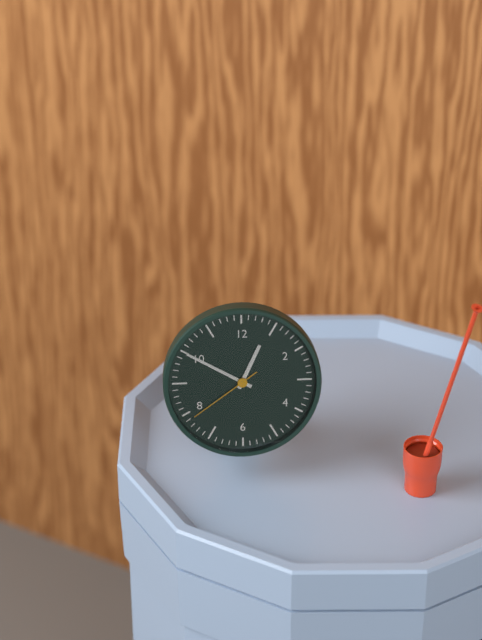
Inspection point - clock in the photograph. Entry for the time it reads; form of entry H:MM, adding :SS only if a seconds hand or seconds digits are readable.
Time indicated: 12:50:39
